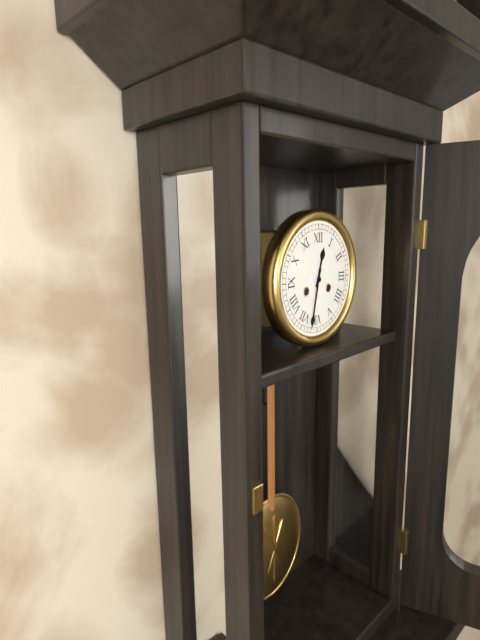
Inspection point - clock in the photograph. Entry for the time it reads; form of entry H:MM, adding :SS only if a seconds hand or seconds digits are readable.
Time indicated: 12:32
